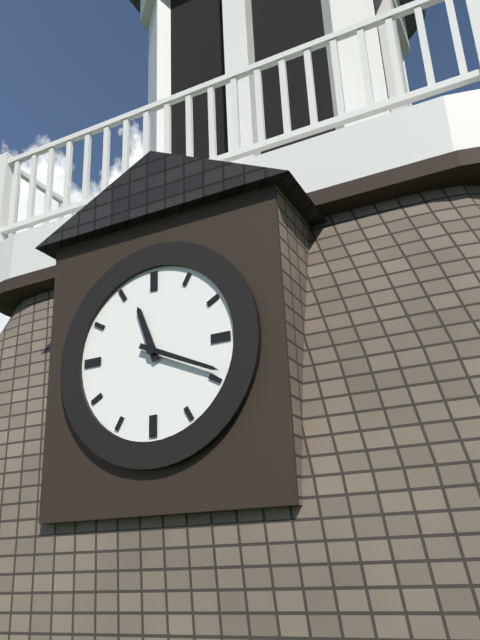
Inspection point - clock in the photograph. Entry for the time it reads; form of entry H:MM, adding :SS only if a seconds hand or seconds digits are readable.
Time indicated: 11:19
